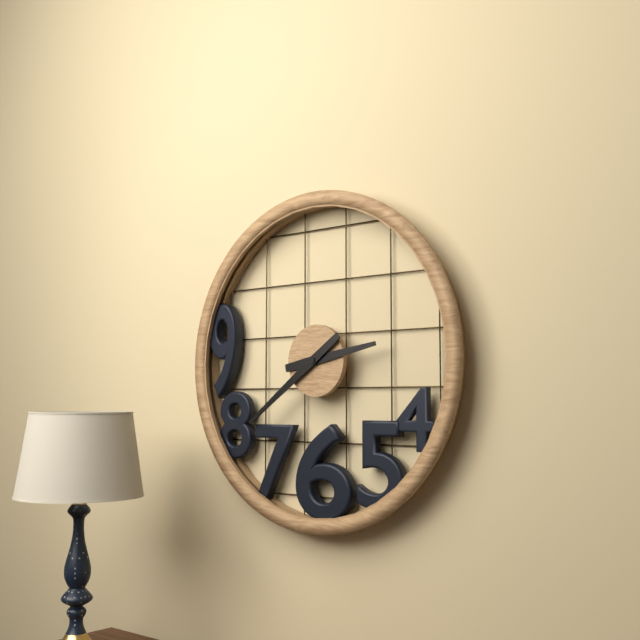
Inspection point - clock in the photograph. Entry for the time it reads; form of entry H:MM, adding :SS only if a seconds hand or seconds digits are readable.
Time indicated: 2:39
